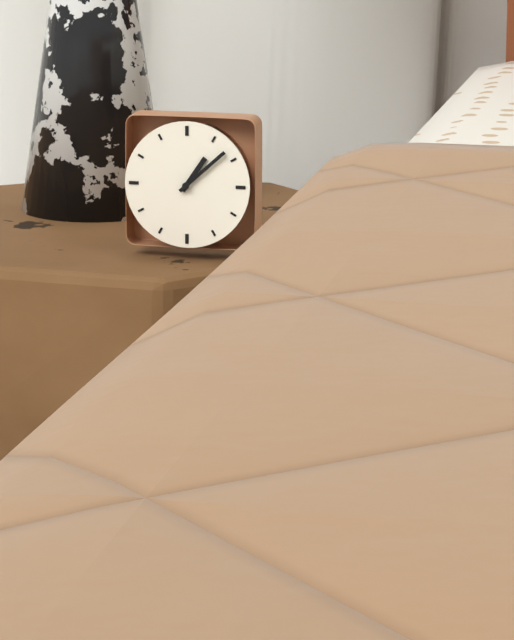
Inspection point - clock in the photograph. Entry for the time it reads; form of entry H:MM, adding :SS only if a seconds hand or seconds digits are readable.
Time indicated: 1:08
